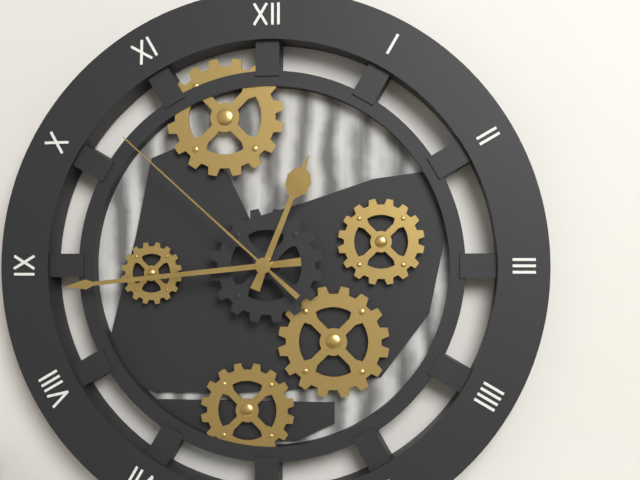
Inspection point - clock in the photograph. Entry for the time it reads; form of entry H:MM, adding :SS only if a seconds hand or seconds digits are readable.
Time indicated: 12:44:52
